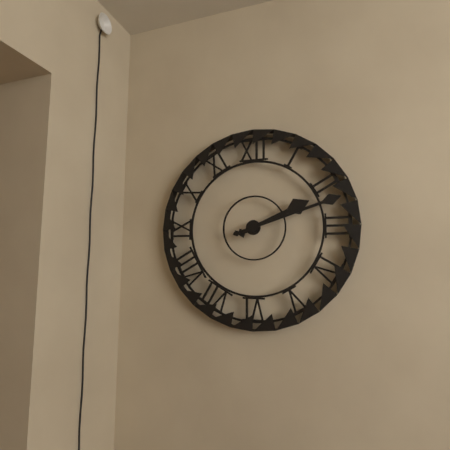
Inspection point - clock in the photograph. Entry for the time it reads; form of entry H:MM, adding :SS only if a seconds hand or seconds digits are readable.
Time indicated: 2:12
